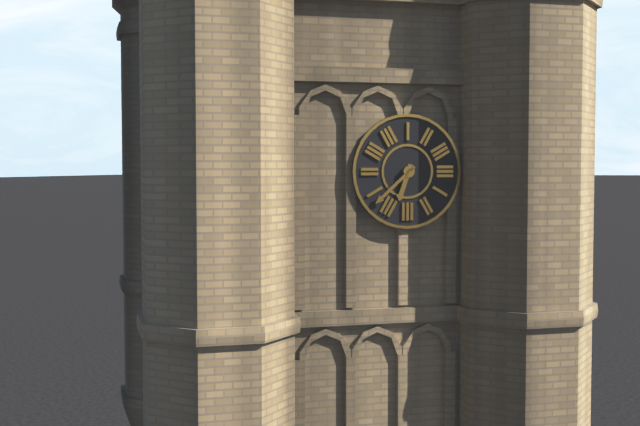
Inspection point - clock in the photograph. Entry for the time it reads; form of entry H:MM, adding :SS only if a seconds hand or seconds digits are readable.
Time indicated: 6:38
